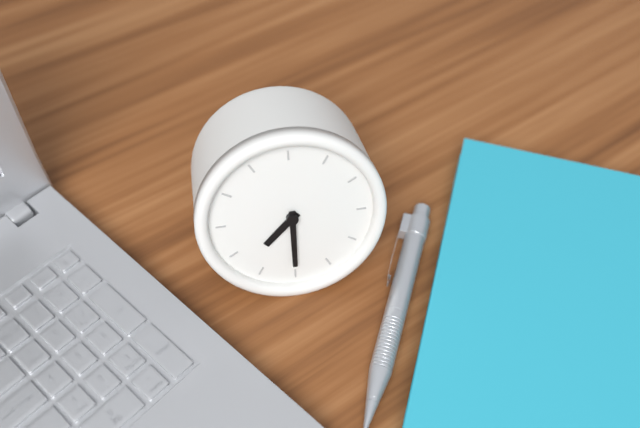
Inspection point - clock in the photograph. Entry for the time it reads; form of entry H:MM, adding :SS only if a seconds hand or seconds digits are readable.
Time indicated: 7:30
